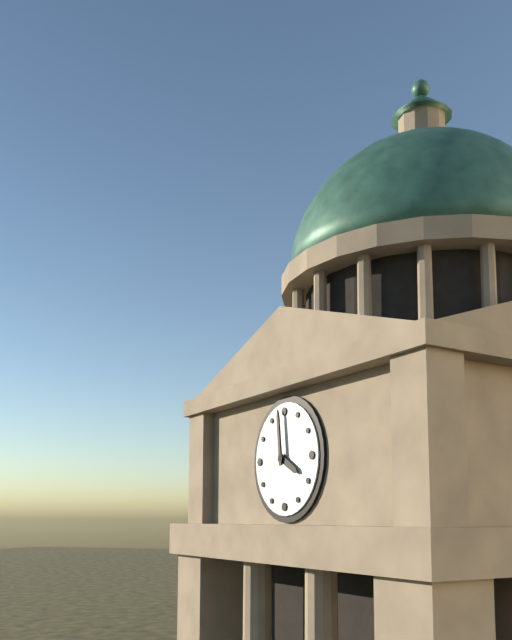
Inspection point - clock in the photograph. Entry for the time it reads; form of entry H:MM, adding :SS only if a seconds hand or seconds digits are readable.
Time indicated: 3:59
